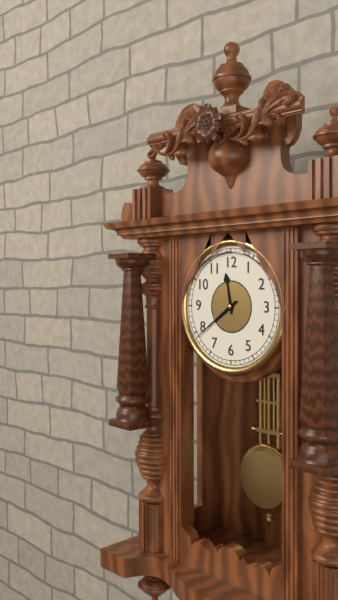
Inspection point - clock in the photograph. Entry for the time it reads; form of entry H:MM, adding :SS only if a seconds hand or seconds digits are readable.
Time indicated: 11:39
